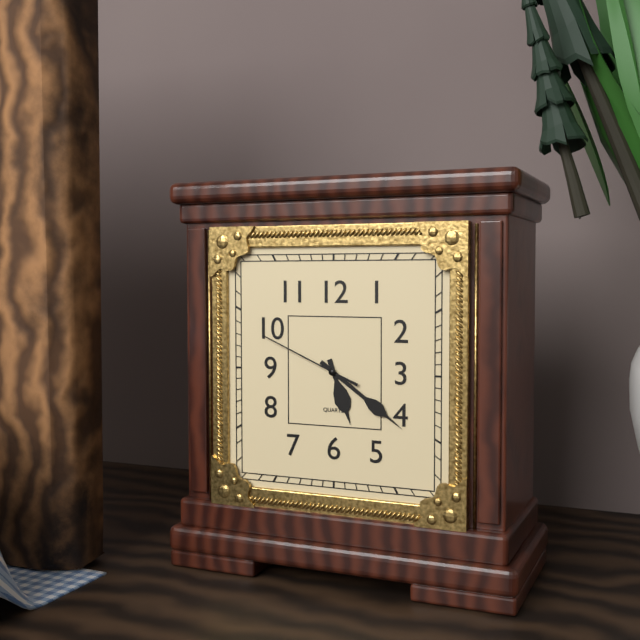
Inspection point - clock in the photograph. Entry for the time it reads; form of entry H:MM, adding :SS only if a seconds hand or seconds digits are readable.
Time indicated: 5:21:49
